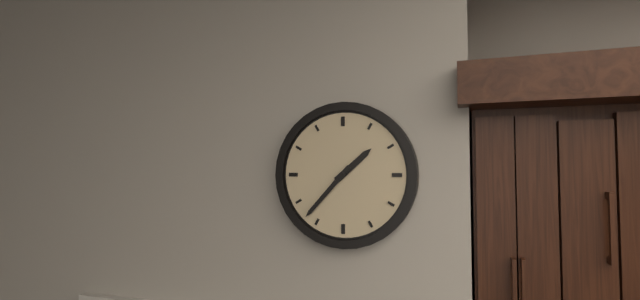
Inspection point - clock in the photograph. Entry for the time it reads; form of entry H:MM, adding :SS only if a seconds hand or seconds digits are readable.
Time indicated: 1:37
